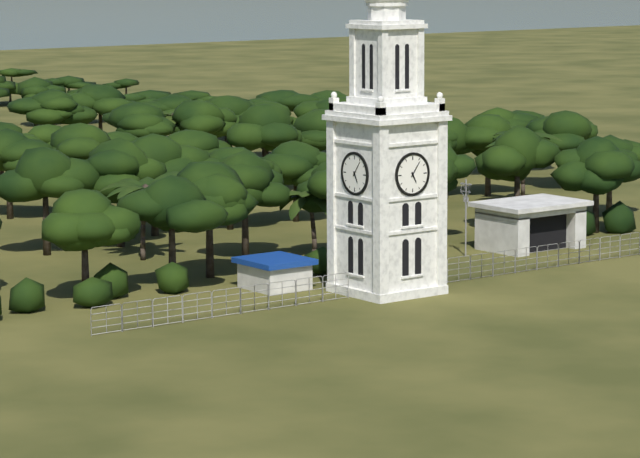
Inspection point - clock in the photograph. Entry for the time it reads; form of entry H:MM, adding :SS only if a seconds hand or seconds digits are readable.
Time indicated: 5:06
